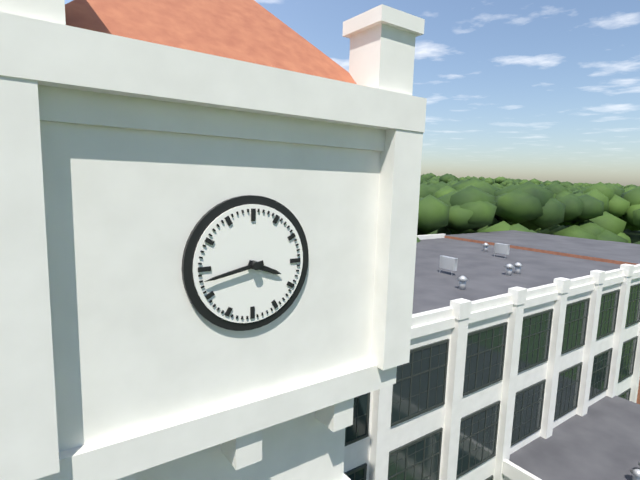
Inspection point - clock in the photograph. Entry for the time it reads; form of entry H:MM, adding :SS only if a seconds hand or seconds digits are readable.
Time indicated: 3:43
